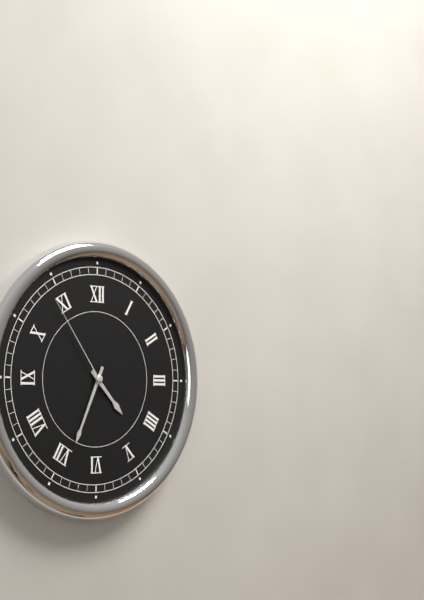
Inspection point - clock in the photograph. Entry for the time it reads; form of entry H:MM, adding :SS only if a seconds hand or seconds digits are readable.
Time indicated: 4:34:54
